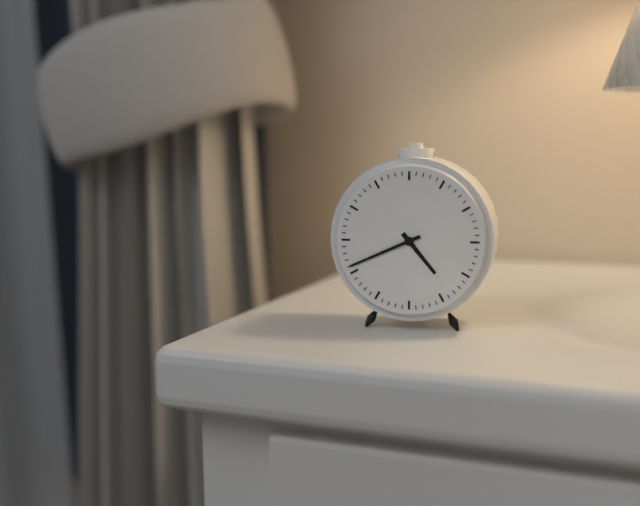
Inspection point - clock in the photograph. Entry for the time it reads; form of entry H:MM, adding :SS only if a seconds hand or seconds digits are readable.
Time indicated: 4:41
